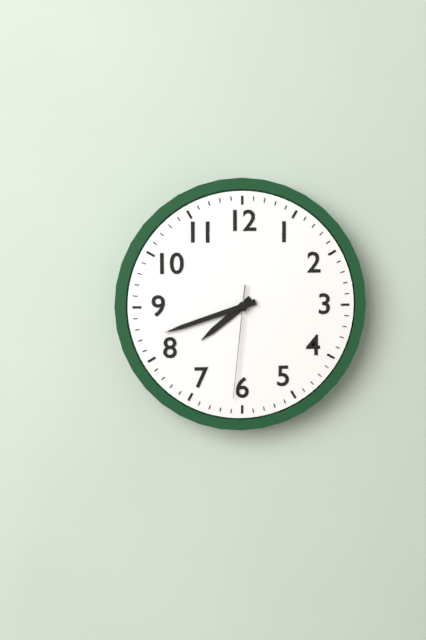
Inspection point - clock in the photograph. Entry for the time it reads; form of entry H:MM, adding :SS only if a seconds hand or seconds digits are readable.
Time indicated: 7:42:31
